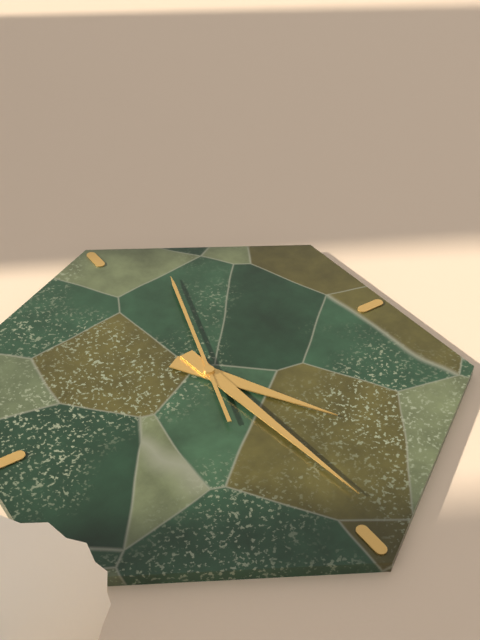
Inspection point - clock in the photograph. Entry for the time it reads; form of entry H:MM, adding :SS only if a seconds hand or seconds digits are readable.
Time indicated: 10:59:33
